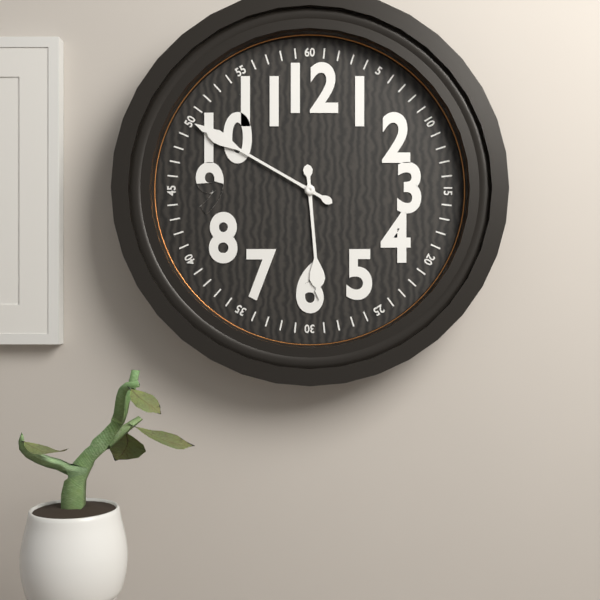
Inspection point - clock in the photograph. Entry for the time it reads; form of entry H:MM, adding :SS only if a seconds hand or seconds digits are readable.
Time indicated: 5:50
